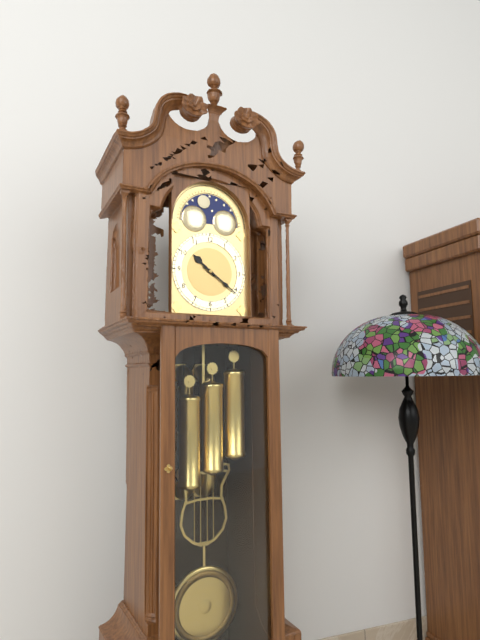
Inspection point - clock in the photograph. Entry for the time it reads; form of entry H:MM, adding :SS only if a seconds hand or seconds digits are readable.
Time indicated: 10:21
